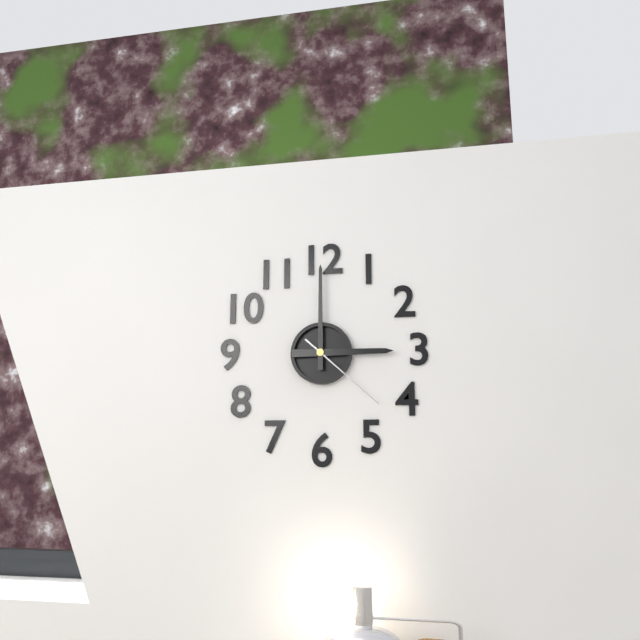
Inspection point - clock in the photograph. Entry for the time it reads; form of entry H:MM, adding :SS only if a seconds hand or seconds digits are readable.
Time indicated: 3:00:22
